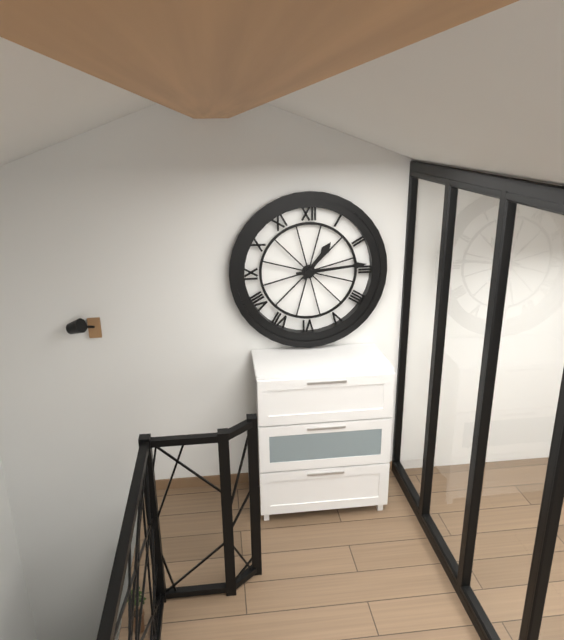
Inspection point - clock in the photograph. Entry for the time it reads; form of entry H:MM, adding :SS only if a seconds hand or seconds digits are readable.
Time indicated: 1:14
